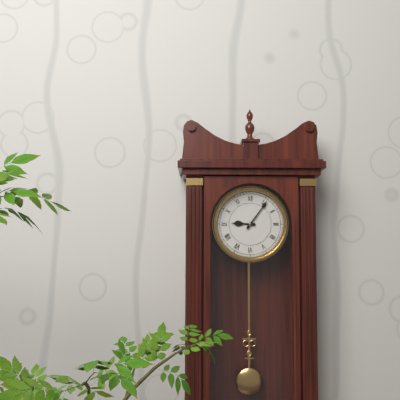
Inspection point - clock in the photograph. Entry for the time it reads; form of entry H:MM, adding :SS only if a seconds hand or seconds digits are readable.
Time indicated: 9:06
